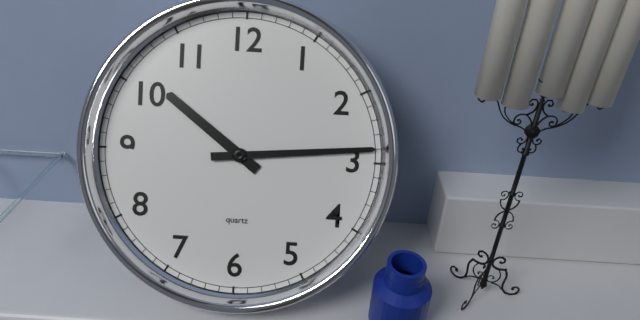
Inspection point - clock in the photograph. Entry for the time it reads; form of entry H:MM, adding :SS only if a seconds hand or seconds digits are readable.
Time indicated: 10:14
